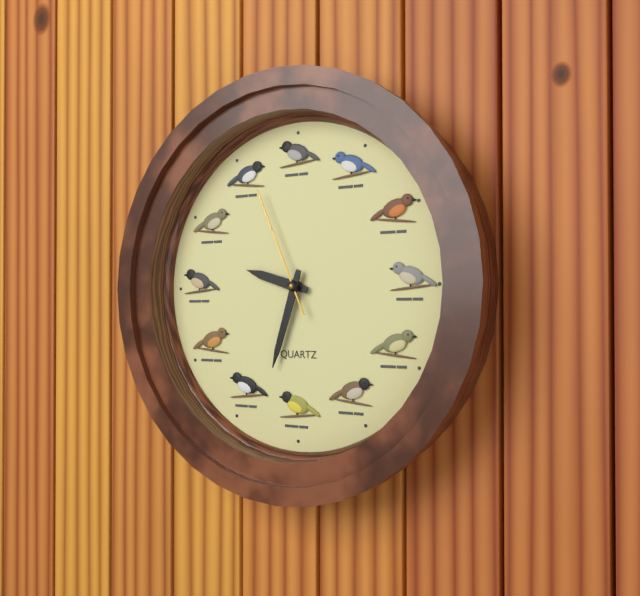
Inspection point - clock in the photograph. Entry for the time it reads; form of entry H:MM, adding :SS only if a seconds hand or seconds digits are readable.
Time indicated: 9:33:56
